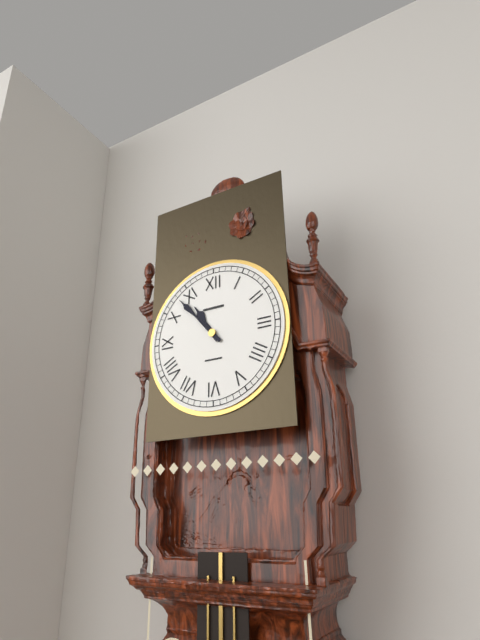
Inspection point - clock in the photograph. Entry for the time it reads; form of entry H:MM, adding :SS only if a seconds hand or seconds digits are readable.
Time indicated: 10:53
